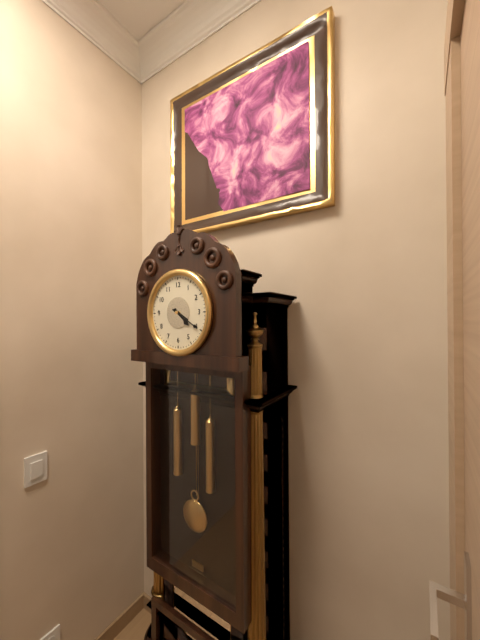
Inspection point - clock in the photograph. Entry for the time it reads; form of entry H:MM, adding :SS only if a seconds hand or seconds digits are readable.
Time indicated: 4:20
